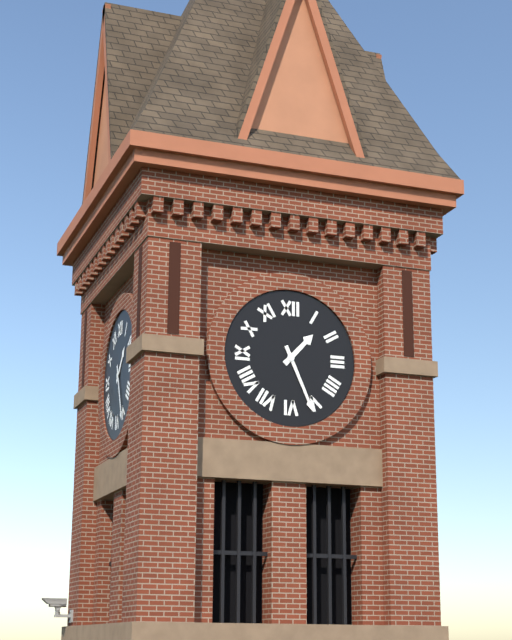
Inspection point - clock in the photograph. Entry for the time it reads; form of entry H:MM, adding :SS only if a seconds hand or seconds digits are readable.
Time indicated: 1:26
